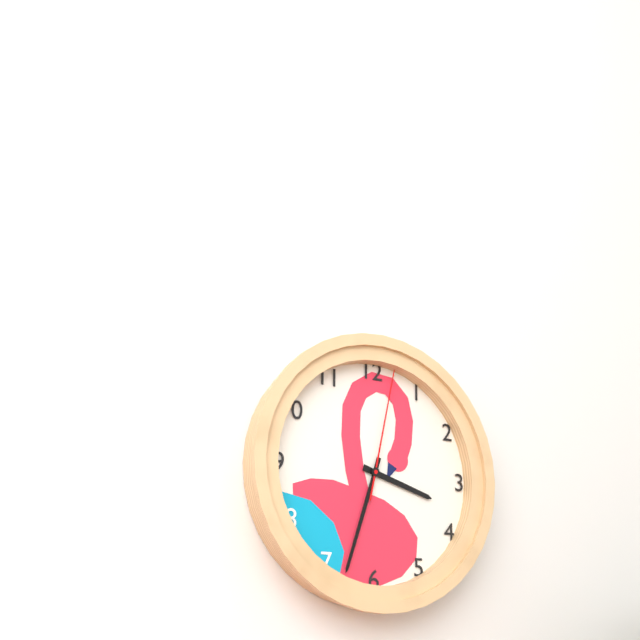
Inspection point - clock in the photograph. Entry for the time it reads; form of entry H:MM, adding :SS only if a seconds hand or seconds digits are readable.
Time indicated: 3:33:02
